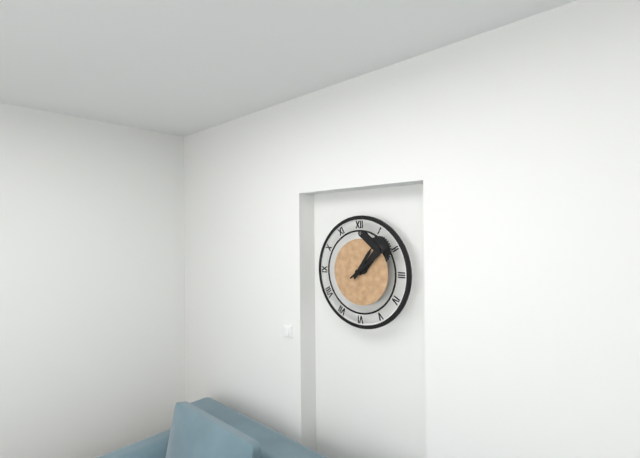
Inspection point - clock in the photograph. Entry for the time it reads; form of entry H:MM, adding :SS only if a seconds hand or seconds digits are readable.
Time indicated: 1:09
